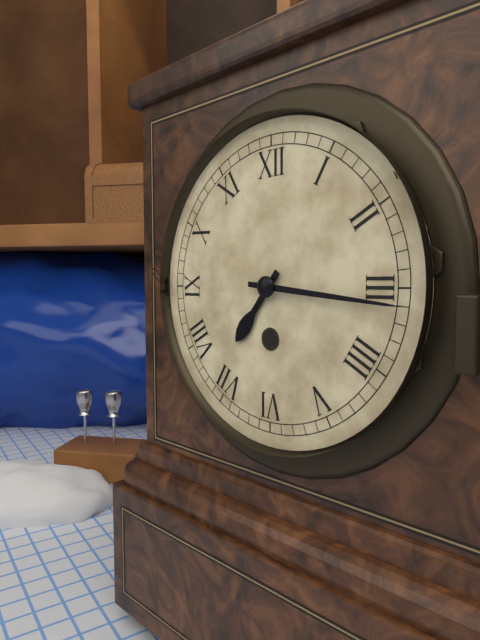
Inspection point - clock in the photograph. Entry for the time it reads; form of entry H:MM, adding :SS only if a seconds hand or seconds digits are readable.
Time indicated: 7:16
